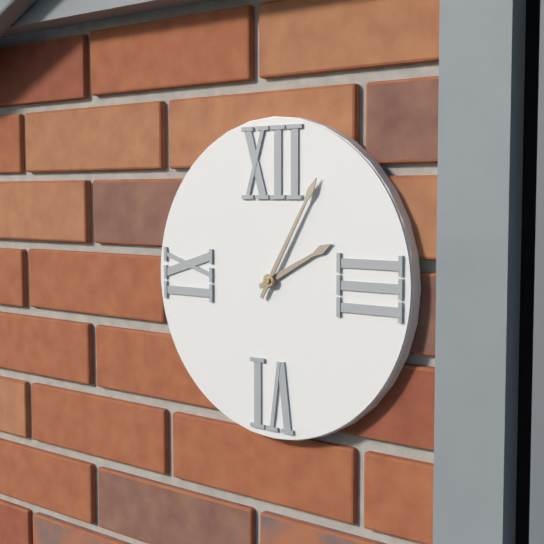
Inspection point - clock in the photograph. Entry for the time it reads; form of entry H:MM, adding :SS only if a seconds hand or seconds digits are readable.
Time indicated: 2:05
